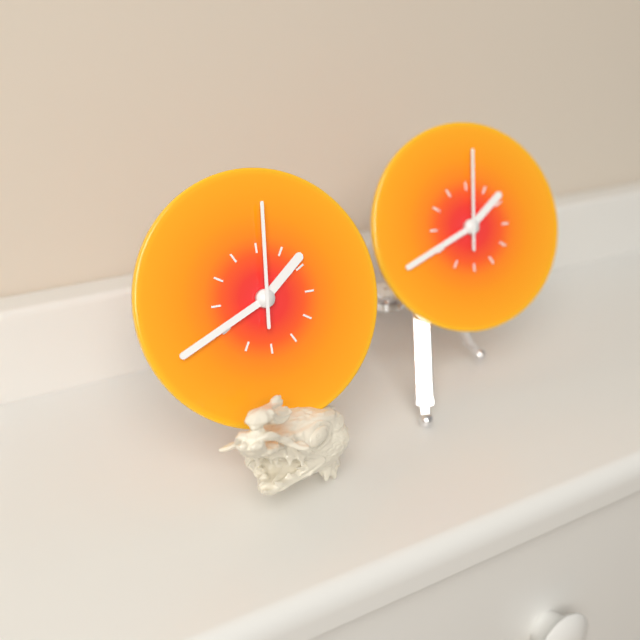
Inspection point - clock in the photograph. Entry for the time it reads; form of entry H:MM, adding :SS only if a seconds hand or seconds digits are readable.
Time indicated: 1:41:01
